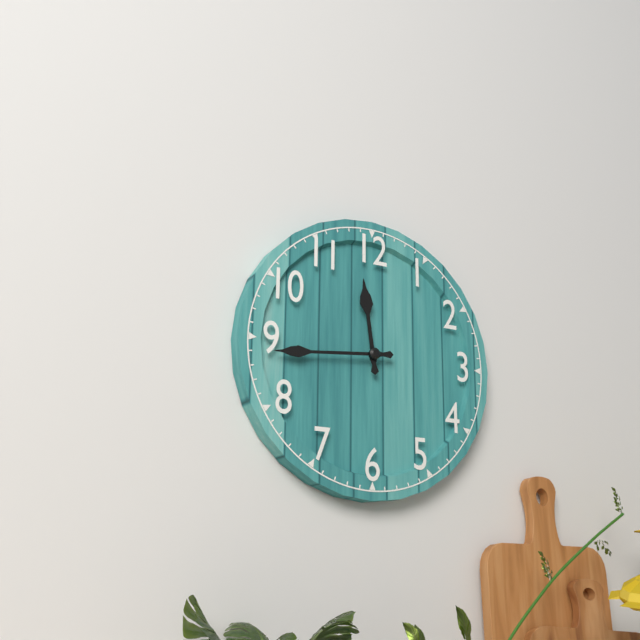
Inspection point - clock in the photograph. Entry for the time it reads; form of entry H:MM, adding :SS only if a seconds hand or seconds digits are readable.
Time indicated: 11:44
